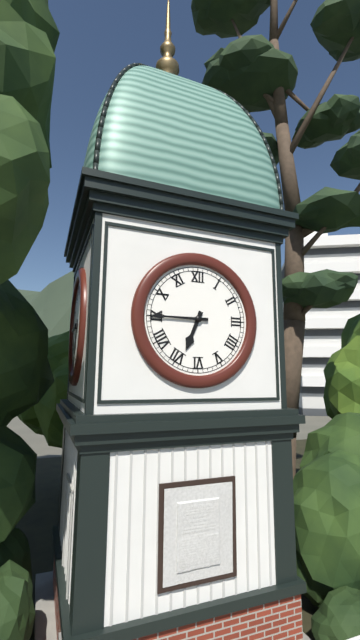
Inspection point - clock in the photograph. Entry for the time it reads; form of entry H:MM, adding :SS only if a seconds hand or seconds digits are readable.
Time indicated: 6:45
